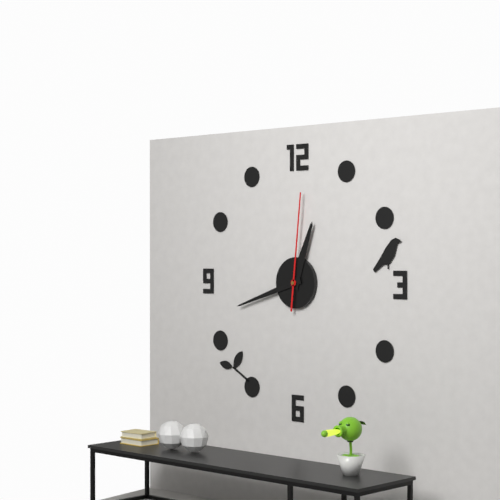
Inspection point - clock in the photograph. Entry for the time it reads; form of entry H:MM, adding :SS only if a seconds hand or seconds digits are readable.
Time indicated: 12:42:01
